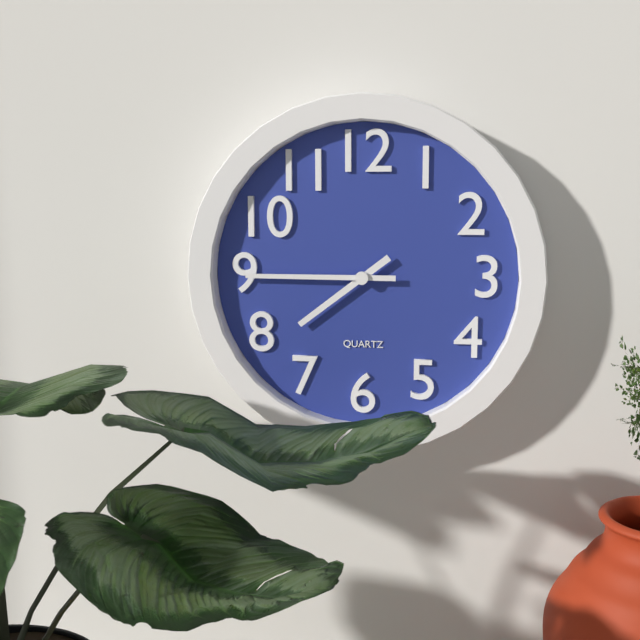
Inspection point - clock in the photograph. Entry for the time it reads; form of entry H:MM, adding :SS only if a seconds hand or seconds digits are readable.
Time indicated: 7:45
